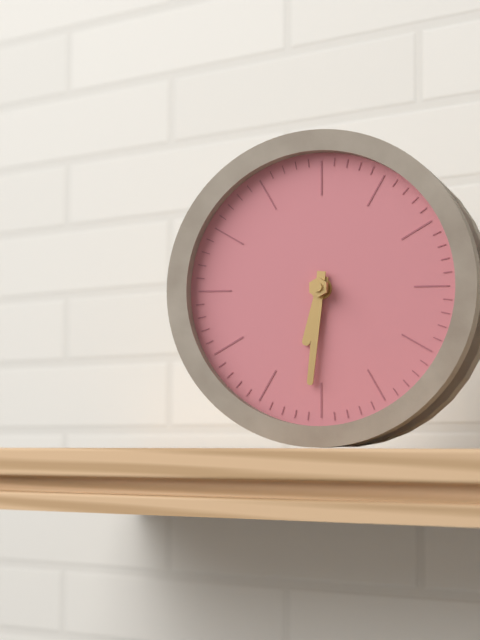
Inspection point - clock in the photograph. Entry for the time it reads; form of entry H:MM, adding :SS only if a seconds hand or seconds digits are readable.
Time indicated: 6:31
